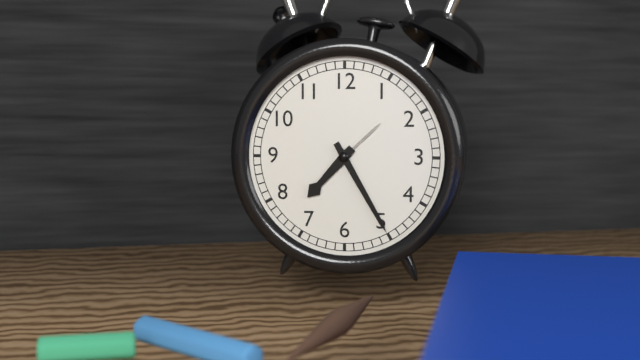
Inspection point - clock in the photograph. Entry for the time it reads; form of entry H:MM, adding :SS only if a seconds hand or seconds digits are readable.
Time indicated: 7:25
